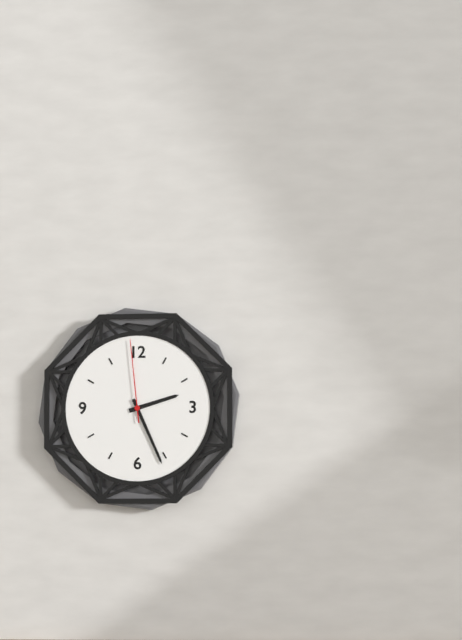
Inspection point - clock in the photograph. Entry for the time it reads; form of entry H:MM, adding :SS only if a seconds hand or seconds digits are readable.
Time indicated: 2:26:59
